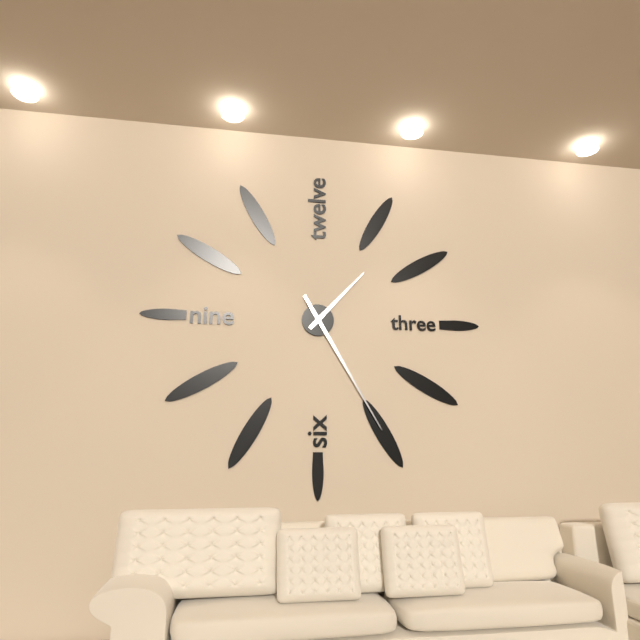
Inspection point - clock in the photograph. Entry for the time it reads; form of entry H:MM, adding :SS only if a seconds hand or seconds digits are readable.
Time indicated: 1:25
